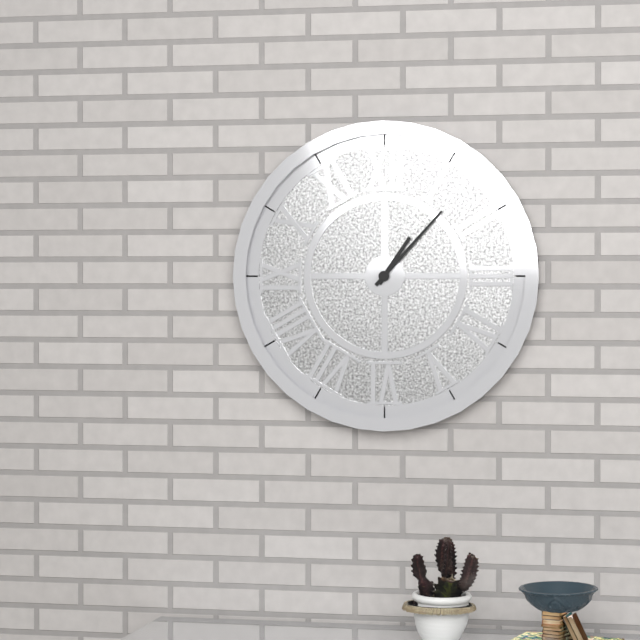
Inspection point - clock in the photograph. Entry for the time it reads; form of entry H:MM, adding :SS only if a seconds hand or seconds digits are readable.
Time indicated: 1:07
